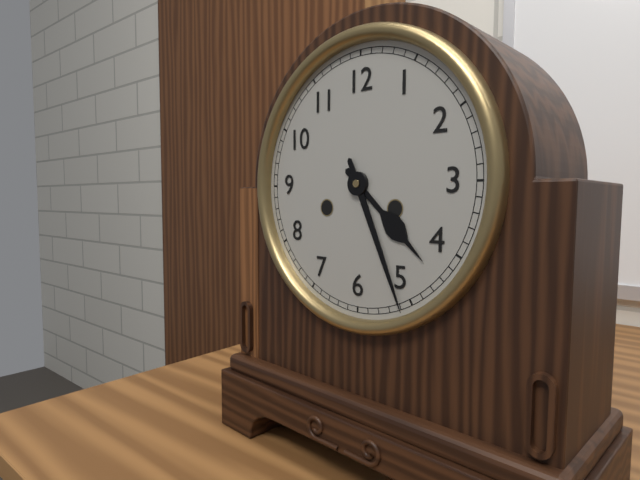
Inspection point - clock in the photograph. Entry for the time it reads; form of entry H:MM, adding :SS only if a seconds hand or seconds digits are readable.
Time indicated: 4:26
